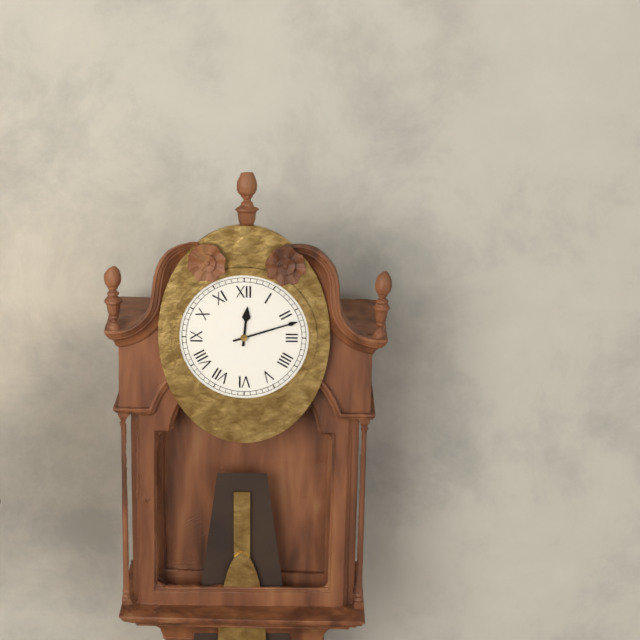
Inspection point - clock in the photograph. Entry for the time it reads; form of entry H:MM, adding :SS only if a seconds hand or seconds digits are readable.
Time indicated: 12:12
